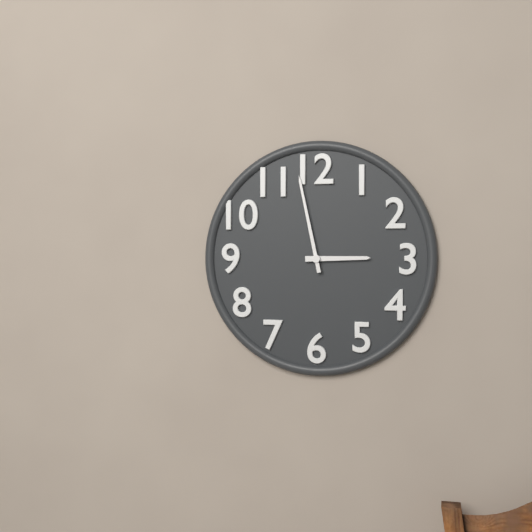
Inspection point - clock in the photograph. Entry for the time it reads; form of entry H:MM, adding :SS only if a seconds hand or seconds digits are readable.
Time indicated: 2:58
